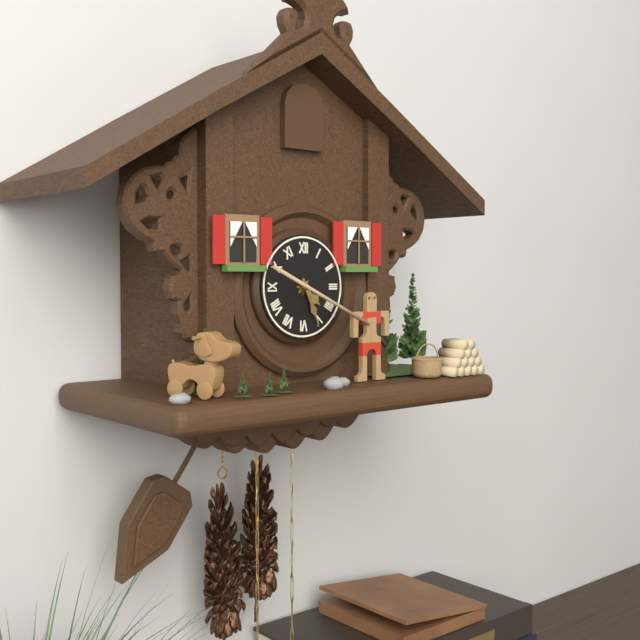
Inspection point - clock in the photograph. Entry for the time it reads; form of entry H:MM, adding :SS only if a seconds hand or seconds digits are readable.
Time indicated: 4:26
